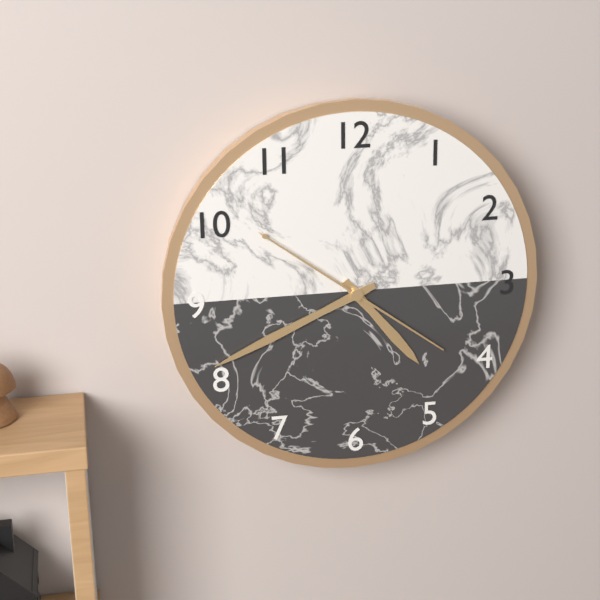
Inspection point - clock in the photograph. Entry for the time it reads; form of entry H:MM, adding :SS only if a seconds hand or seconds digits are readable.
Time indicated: 4:41:51
